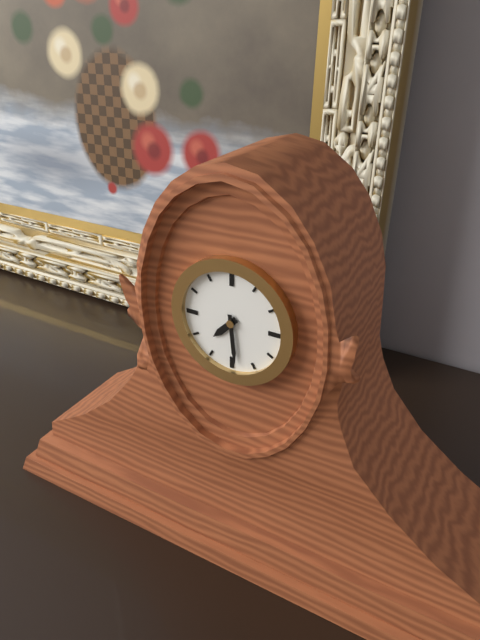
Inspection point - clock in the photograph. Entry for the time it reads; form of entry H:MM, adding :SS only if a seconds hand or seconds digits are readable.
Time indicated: 7:29
